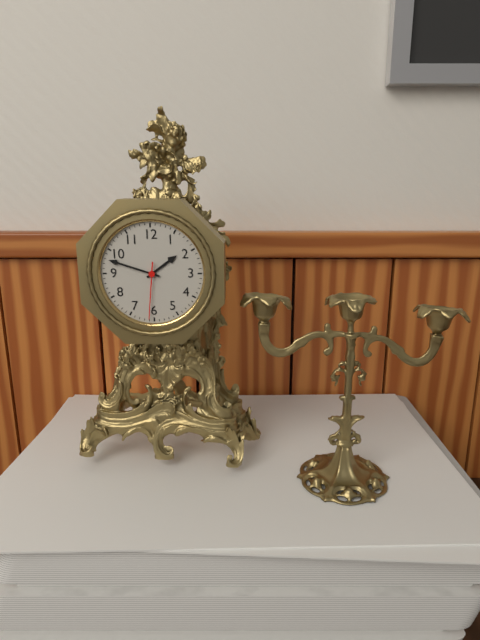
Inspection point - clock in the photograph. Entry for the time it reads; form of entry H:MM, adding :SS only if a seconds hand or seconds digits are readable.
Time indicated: 1:48:31
